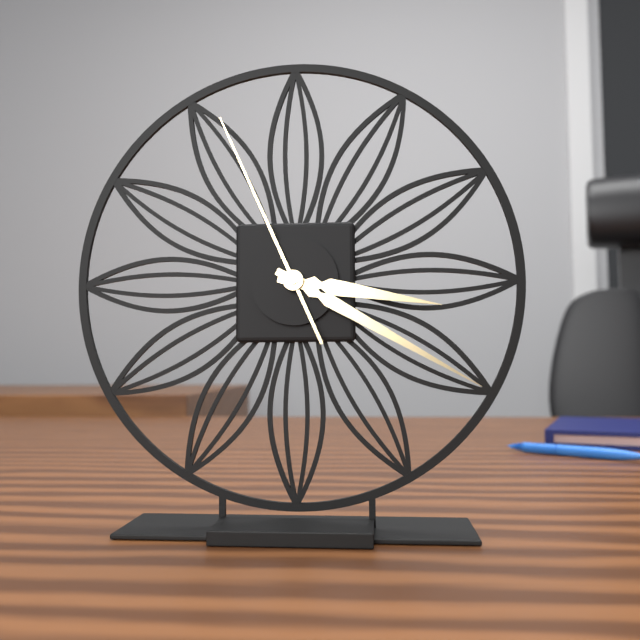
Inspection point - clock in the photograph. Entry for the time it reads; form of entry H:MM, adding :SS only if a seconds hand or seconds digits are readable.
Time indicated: 3:20:56
